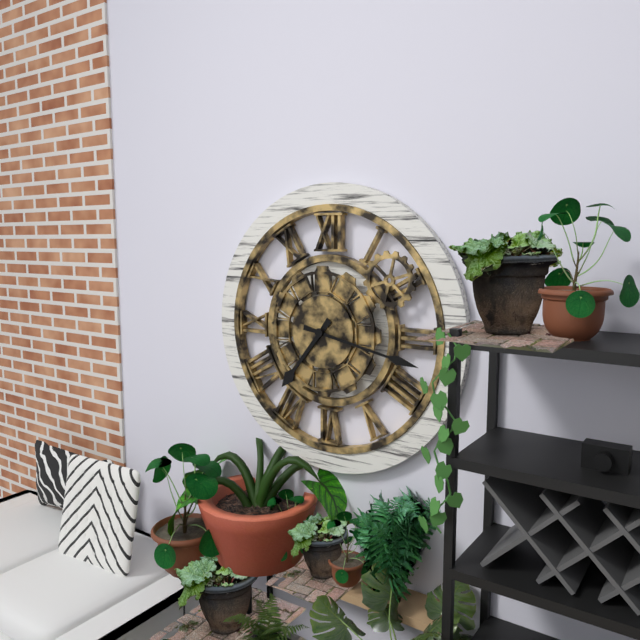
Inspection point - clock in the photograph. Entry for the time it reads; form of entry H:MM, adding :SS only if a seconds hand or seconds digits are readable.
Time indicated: 7:17
